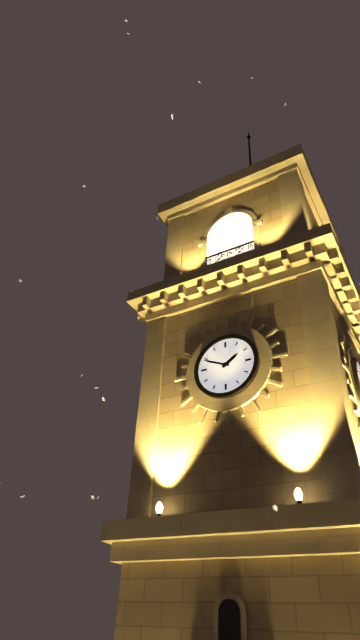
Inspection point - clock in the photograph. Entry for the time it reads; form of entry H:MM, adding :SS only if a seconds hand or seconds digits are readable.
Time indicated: 1:49
